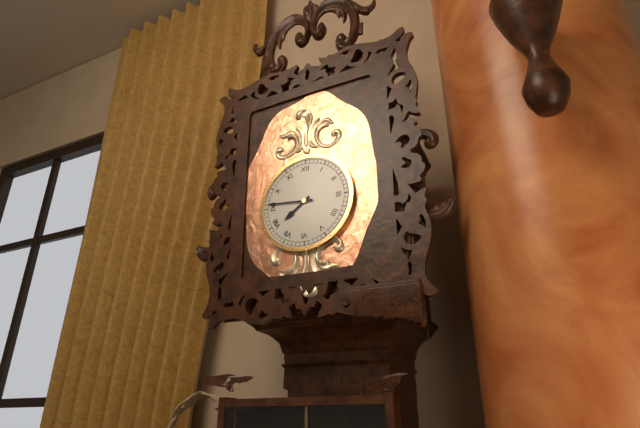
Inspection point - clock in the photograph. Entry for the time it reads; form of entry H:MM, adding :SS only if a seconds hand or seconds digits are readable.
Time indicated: 7:46
